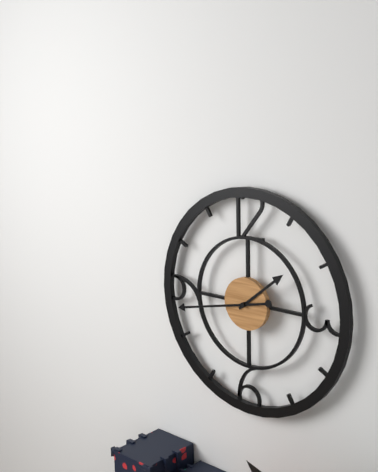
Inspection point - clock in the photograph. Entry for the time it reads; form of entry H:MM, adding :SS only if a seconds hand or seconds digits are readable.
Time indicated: 1:43
